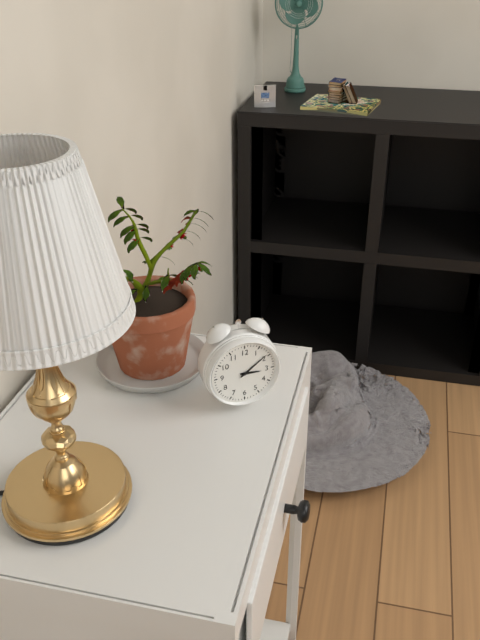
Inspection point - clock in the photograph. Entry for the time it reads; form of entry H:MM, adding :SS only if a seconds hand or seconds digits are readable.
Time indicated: 3:09
